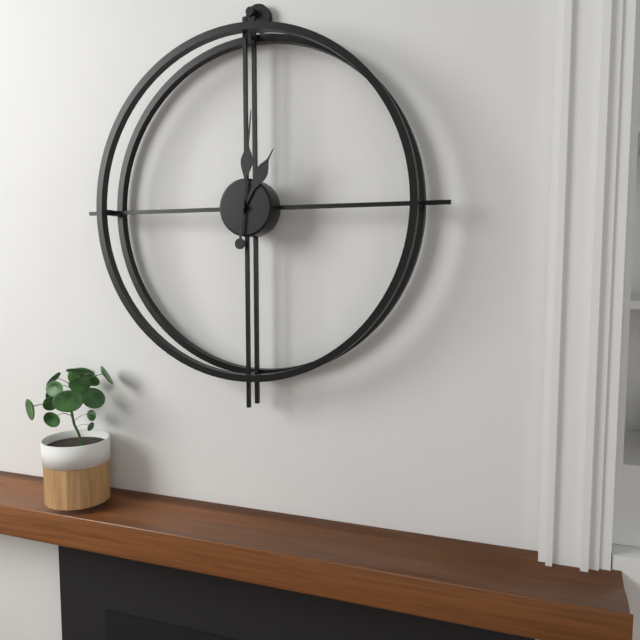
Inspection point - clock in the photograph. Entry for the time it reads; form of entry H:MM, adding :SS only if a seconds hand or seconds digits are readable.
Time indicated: 1:01
